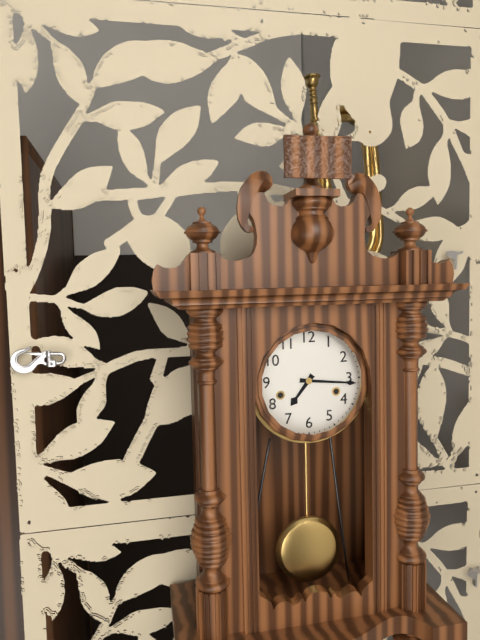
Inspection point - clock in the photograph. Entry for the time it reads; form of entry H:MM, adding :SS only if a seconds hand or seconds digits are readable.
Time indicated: 7:16
